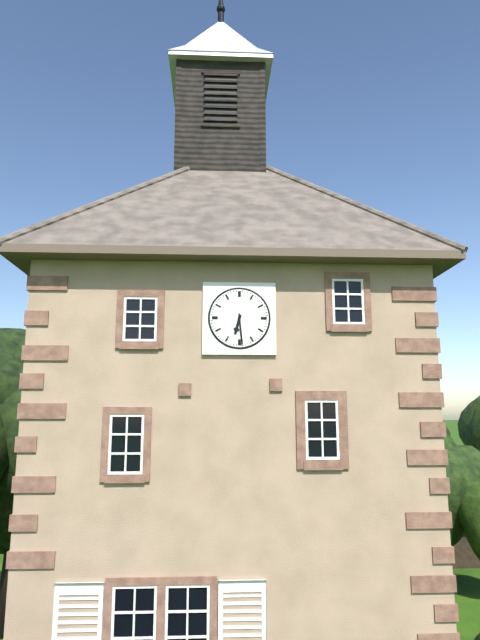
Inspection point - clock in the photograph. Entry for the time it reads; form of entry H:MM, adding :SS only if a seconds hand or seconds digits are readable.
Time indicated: 6:29
